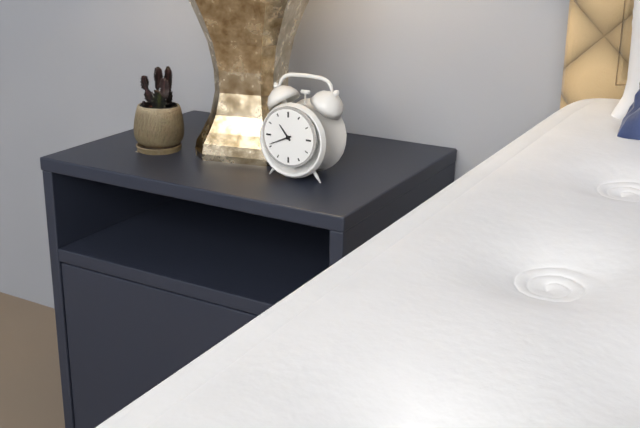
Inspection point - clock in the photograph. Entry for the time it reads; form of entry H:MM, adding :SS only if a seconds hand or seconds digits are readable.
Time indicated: 10:41
